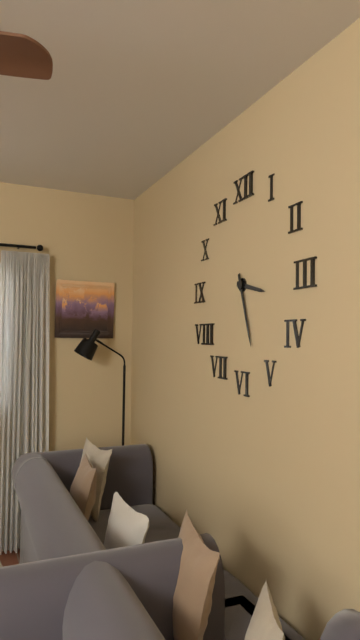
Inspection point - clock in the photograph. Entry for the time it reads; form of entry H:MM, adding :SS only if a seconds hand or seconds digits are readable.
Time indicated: 3:27
